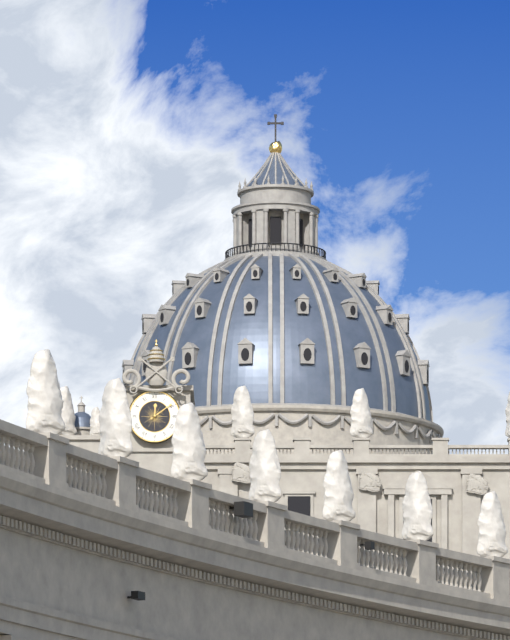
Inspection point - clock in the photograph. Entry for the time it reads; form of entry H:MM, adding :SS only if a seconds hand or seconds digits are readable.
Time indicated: 12:09
